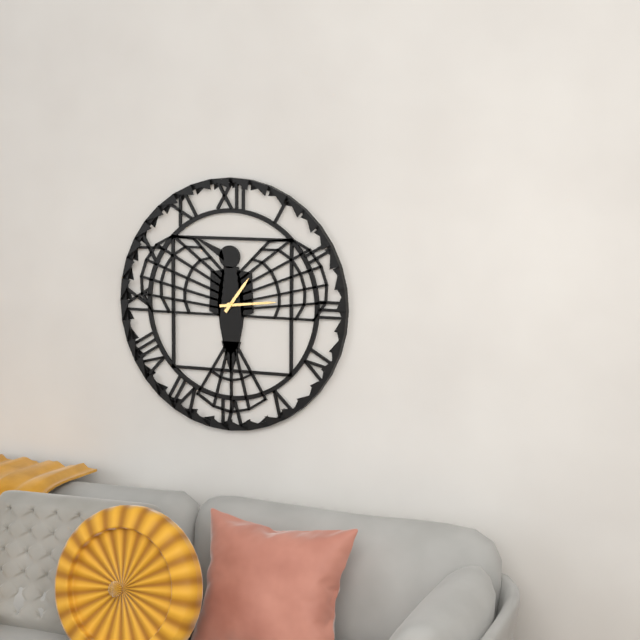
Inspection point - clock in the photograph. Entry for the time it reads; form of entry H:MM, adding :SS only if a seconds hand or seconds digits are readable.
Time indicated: 1:14
